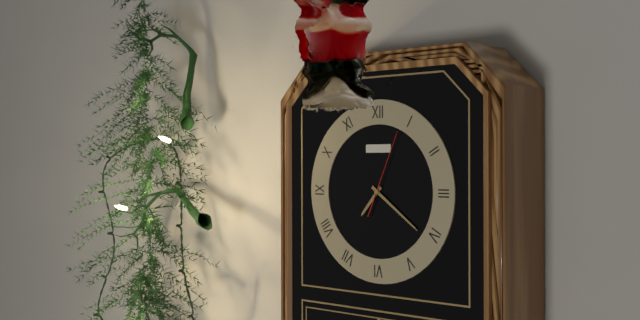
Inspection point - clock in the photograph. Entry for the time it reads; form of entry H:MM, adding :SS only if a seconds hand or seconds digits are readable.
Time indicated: 7:21:04
